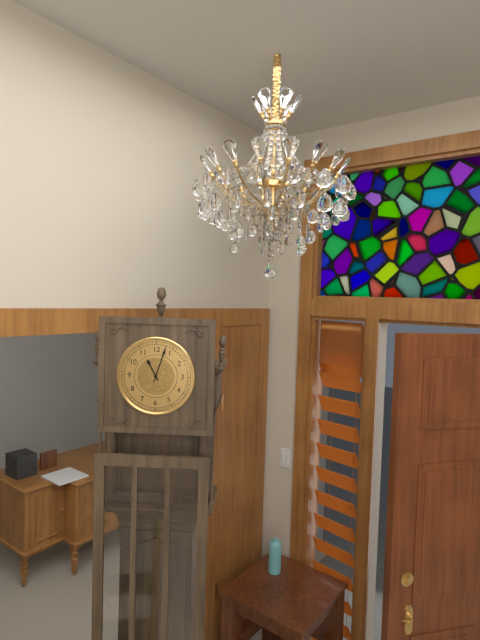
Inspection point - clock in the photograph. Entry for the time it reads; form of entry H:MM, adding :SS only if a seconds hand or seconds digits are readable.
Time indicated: 11:03
